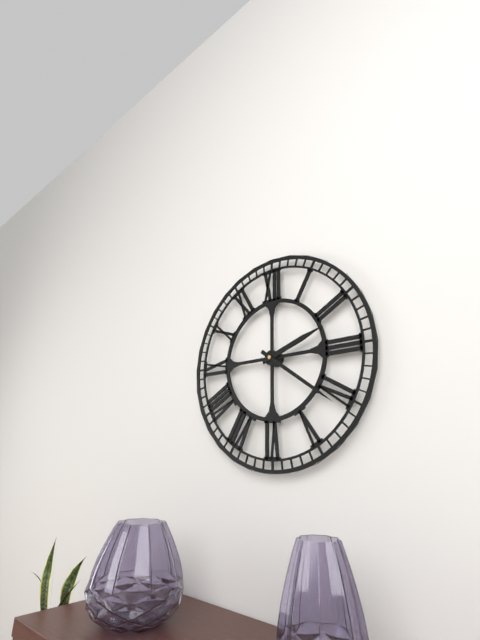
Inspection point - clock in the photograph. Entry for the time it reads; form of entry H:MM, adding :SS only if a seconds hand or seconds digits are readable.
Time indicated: 2:21
